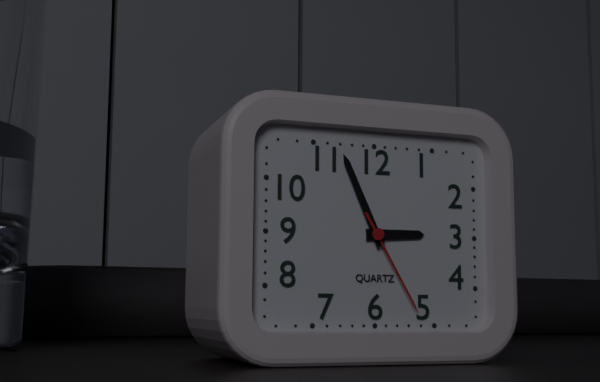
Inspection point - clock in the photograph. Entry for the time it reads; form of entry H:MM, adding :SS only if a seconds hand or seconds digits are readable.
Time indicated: 2:56:25
